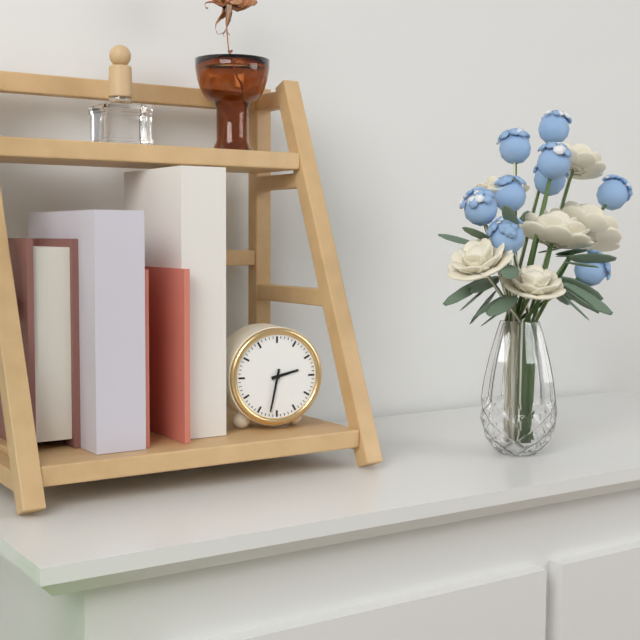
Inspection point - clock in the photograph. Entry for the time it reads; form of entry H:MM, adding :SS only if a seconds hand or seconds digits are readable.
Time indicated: 2:32
